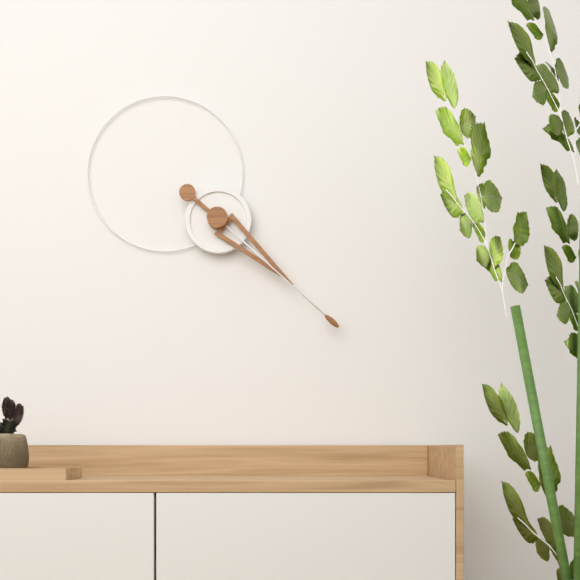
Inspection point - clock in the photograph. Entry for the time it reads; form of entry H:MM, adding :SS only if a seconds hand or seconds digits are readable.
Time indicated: 4:22
